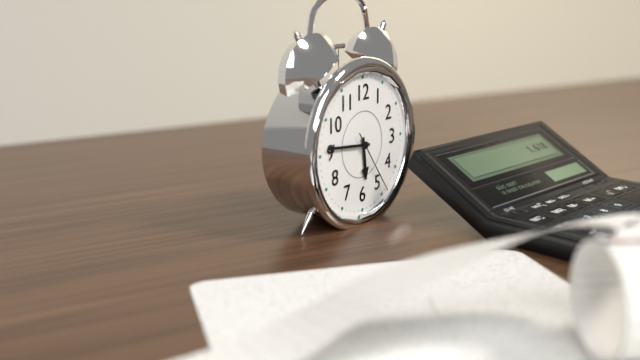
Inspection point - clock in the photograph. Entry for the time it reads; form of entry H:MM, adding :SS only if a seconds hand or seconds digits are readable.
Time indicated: 5:46:24
